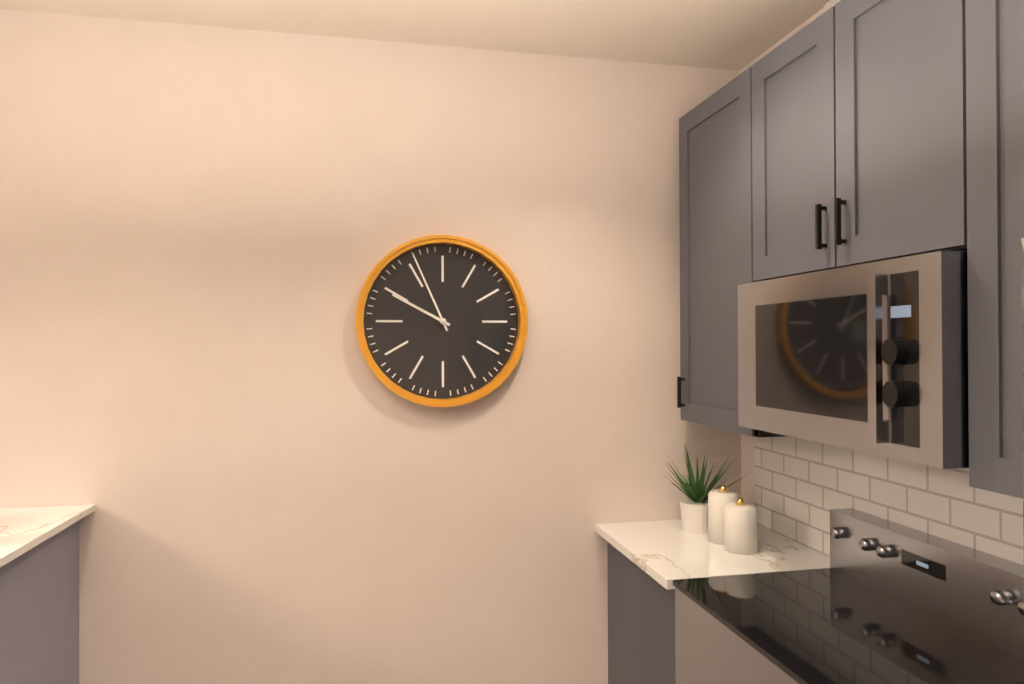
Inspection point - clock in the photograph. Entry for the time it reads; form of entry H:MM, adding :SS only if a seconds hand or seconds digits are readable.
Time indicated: 9:56
